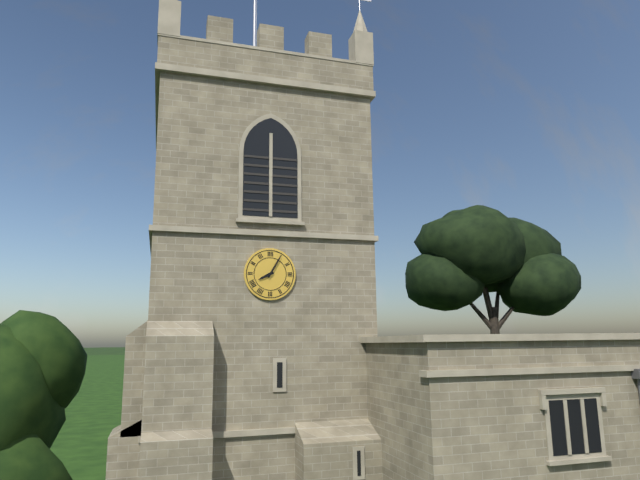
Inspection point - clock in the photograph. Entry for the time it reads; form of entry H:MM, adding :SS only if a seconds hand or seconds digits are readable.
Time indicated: 8:05
